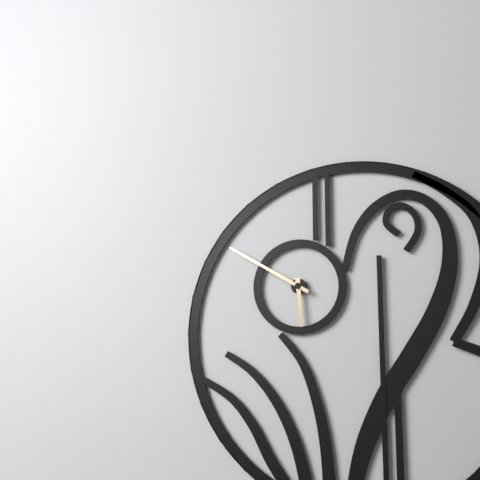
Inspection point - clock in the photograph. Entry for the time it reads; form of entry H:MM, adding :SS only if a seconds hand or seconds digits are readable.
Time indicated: 5:50
